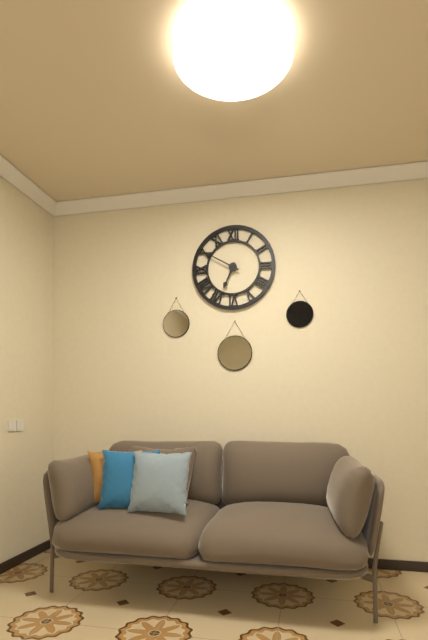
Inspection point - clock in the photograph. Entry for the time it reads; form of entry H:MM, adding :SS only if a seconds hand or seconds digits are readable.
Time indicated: 6:50
